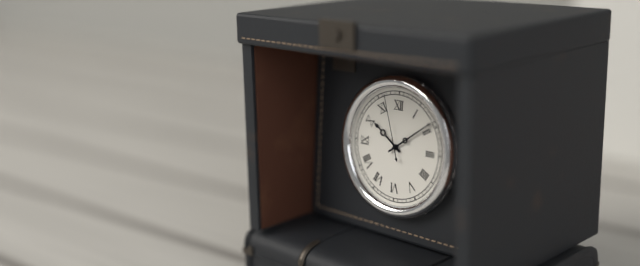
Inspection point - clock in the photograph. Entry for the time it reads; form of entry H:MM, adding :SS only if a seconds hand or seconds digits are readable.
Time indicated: 10:09:57
